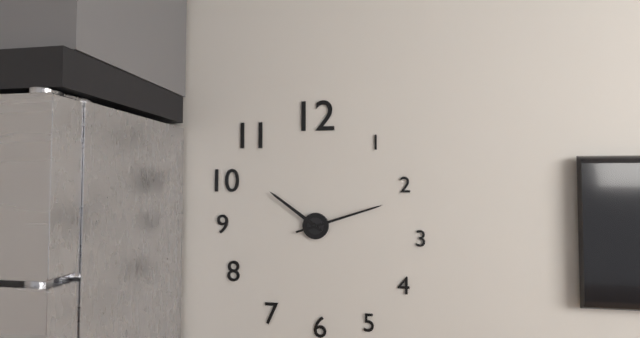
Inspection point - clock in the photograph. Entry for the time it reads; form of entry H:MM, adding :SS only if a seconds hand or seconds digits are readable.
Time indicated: 10:12
